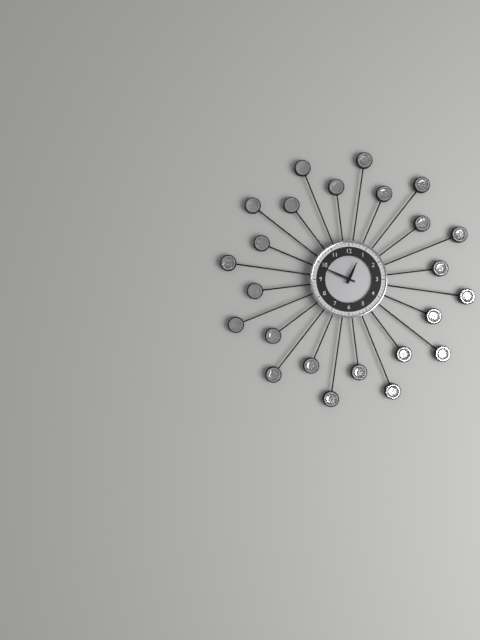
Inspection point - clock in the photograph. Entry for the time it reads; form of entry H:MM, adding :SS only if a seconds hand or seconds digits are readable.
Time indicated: 12:49
